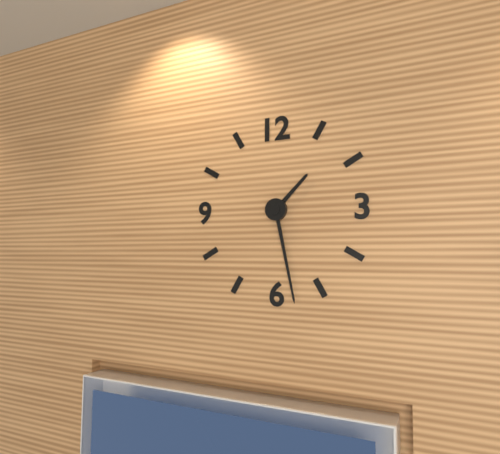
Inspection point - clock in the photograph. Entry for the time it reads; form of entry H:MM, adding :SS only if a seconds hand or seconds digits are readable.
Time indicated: 1:28
